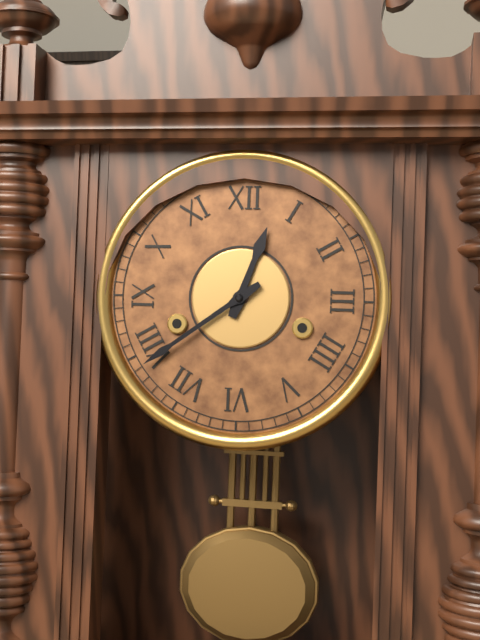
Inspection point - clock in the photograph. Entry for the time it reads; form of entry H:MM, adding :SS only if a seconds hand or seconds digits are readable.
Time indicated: 12:39
